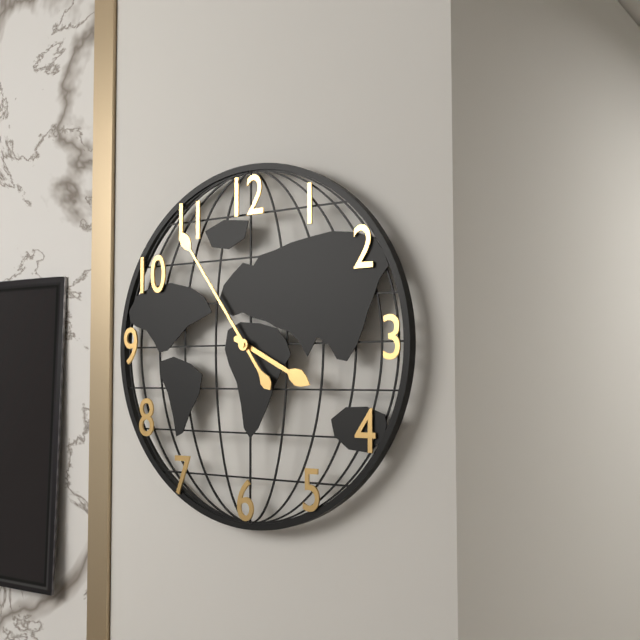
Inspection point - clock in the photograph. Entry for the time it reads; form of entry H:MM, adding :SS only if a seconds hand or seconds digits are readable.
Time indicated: 3:54
